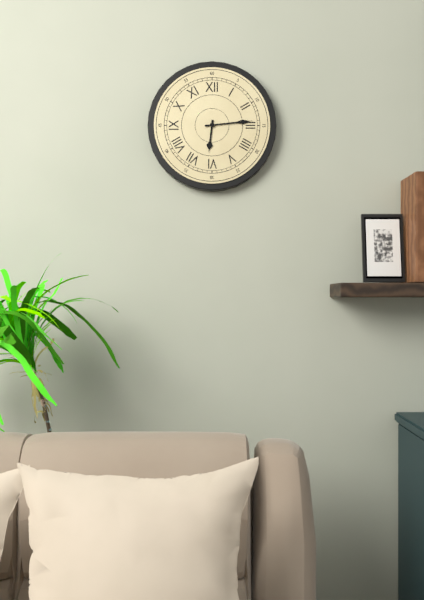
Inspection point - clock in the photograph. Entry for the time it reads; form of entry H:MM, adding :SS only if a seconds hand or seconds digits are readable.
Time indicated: 6:14
